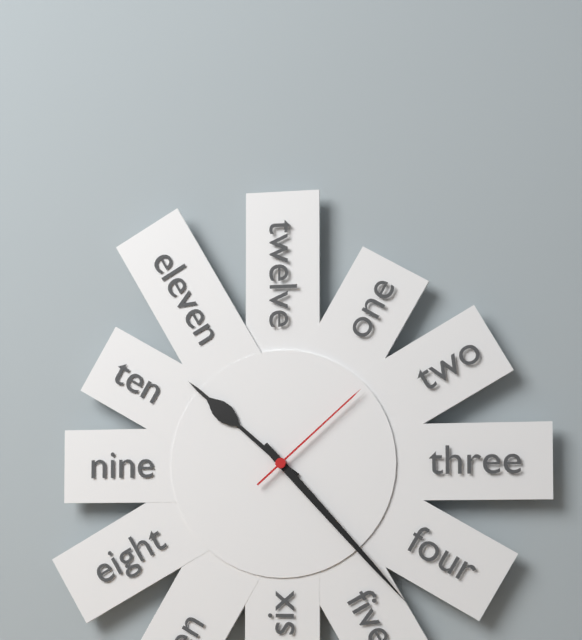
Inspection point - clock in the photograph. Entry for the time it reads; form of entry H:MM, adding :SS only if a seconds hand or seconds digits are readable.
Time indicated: 10:23:08
